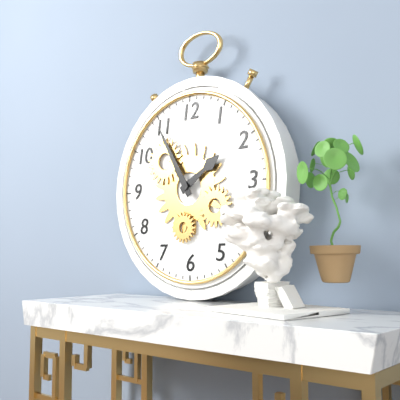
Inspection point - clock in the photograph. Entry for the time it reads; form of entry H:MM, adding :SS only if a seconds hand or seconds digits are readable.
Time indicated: 1:55
